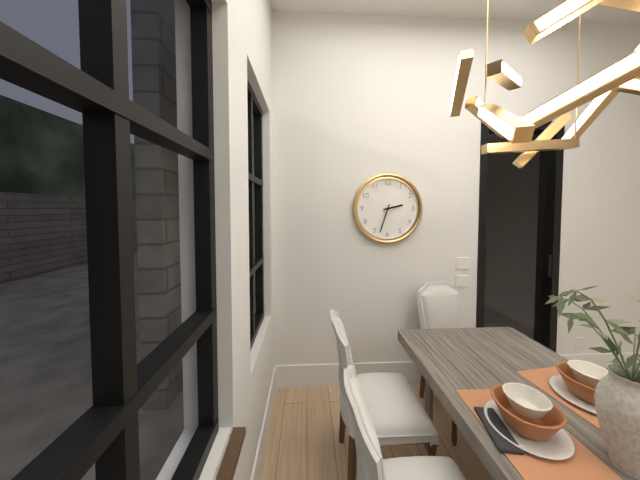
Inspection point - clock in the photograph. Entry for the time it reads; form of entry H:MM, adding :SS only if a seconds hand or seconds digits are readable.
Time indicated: 2:33
